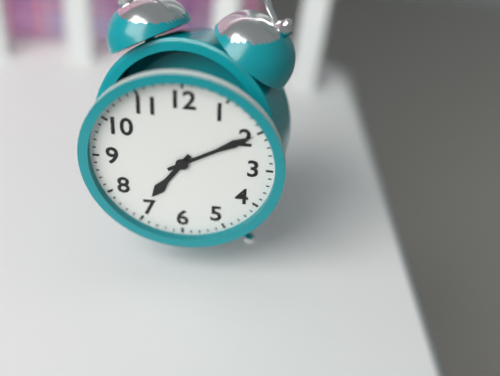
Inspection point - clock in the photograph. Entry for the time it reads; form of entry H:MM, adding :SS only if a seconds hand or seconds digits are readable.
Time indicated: 7:10
